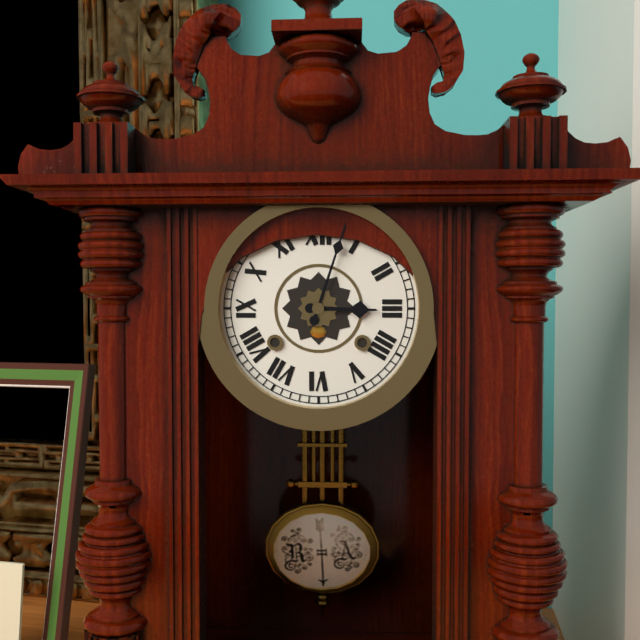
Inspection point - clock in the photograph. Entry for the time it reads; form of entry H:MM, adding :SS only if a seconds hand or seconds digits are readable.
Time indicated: 3:03
